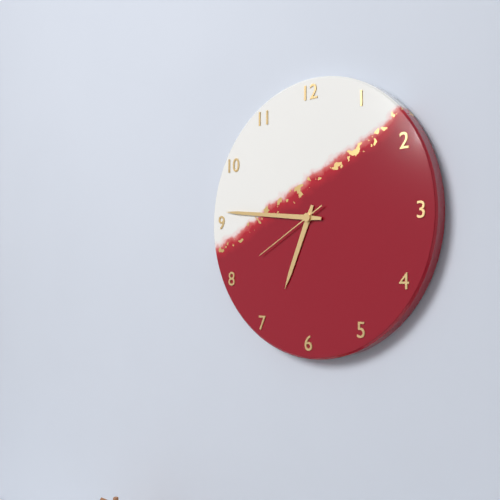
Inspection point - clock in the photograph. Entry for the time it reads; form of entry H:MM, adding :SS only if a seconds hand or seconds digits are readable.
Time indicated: 6:46:40
